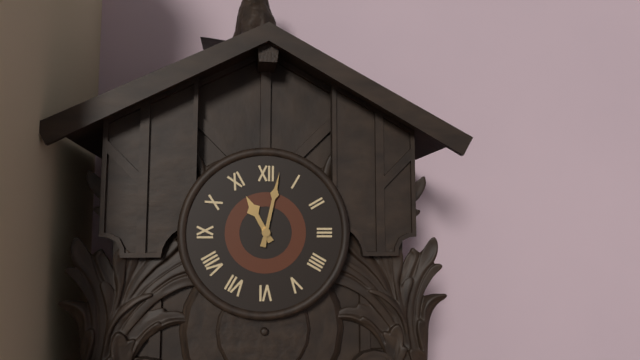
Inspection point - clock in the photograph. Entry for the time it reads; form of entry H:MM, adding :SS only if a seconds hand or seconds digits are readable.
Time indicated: 11:02
